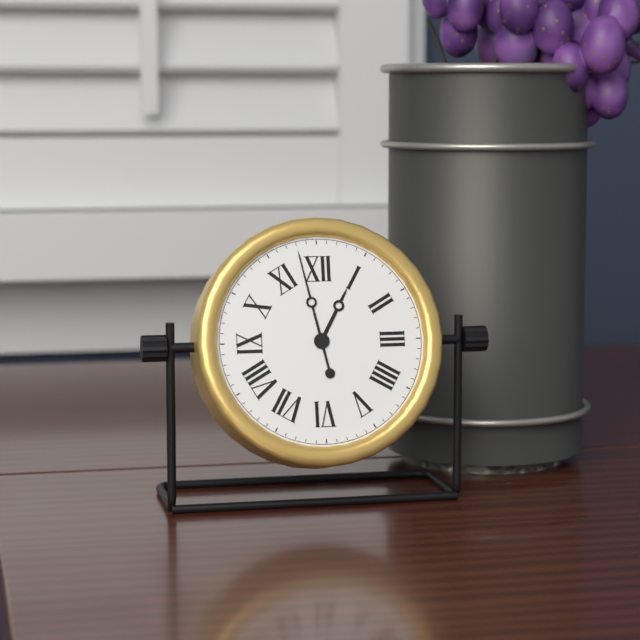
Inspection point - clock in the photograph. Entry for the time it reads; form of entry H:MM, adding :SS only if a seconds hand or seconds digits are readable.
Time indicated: 12:58
